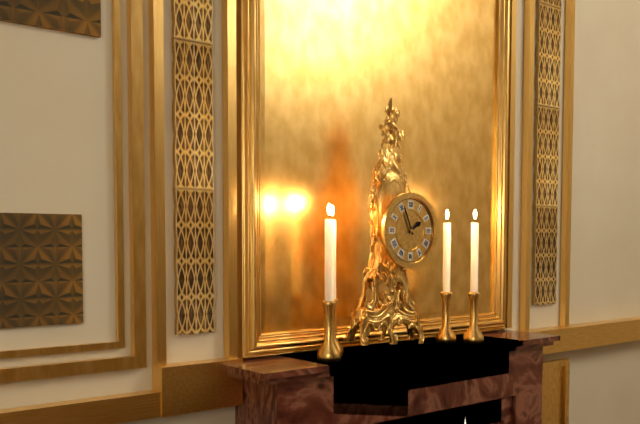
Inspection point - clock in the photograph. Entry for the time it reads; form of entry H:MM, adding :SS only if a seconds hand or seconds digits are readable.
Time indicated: 1:56
